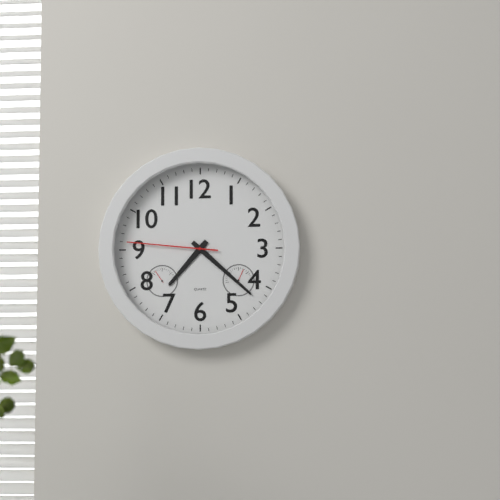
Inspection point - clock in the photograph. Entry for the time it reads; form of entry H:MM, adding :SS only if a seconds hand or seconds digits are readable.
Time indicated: 7:22:46
